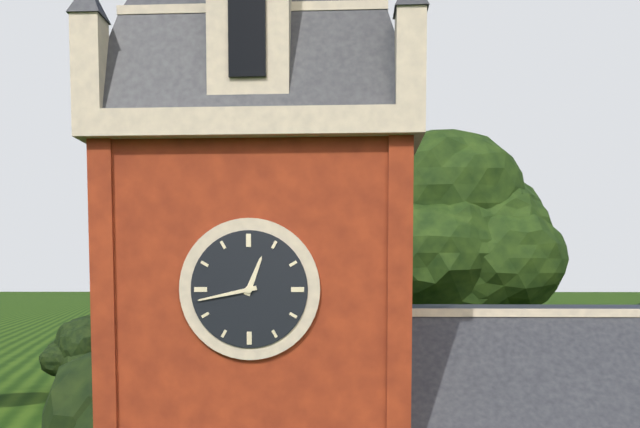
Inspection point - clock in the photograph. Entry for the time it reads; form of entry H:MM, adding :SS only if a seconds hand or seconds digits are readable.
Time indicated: 12:43
